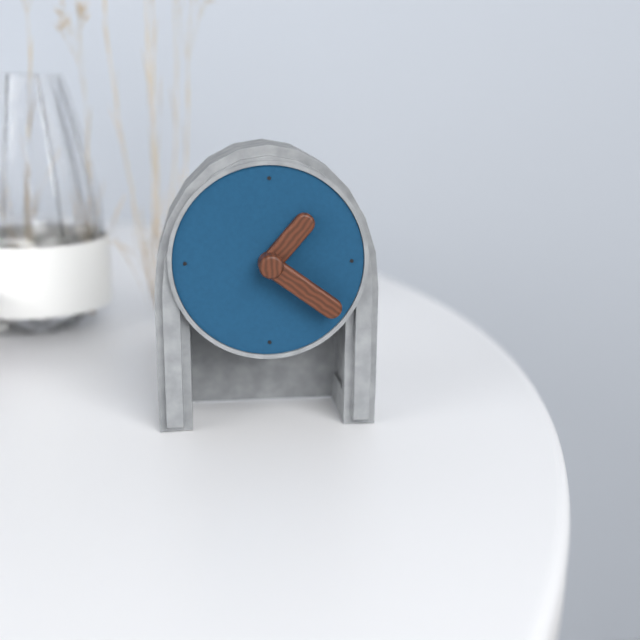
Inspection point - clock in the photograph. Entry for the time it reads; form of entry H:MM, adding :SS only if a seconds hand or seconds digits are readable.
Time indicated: 1:21
